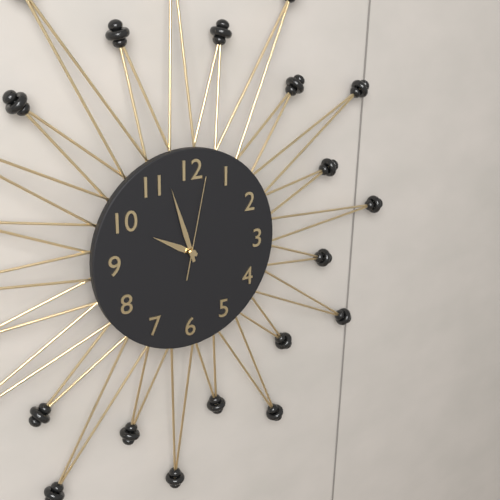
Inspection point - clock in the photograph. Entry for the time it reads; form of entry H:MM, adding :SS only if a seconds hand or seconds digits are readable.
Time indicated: 9:57:02
